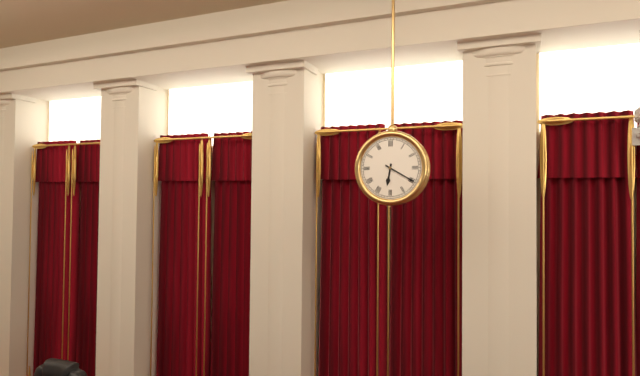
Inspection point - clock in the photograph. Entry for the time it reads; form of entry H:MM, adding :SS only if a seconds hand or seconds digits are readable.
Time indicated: 6:20
